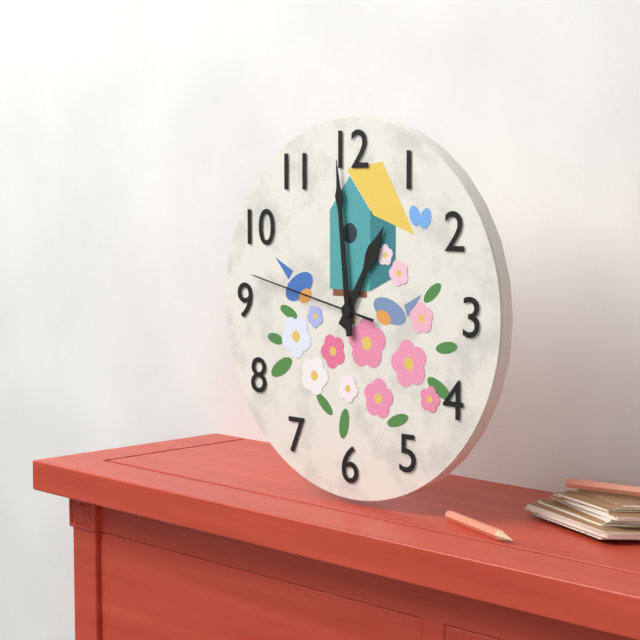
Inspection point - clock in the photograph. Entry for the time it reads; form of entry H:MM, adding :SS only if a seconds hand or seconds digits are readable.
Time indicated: 12:59:47
